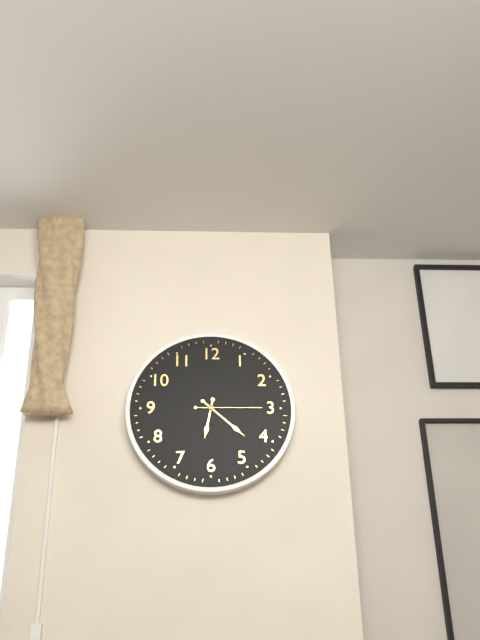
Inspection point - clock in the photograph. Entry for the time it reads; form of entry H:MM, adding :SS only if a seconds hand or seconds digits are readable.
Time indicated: 6:22:15
